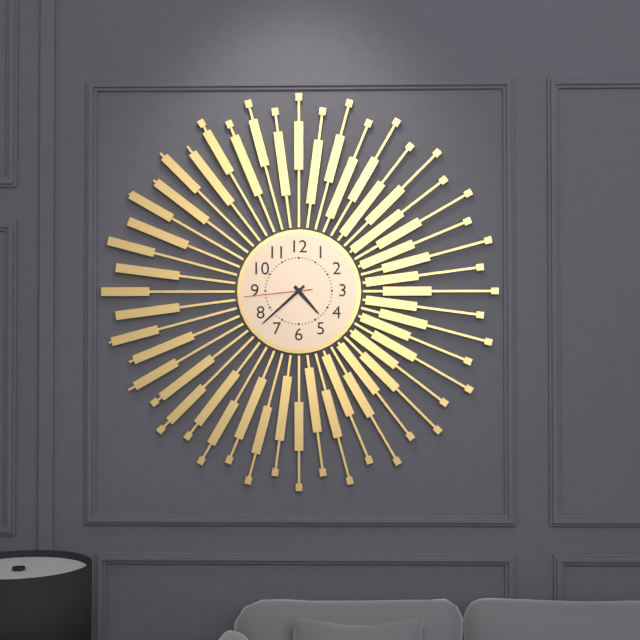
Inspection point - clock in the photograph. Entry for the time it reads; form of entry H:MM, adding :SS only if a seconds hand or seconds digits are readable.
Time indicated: 4:38:44
